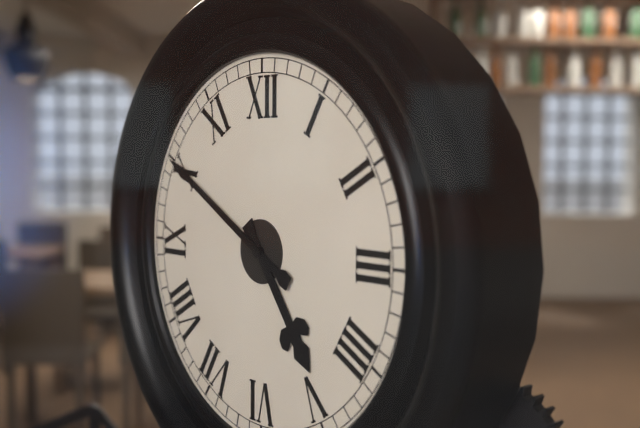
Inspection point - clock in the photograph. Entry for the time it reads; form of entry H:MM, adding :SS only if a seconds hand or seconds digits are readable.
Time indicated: 4:50
